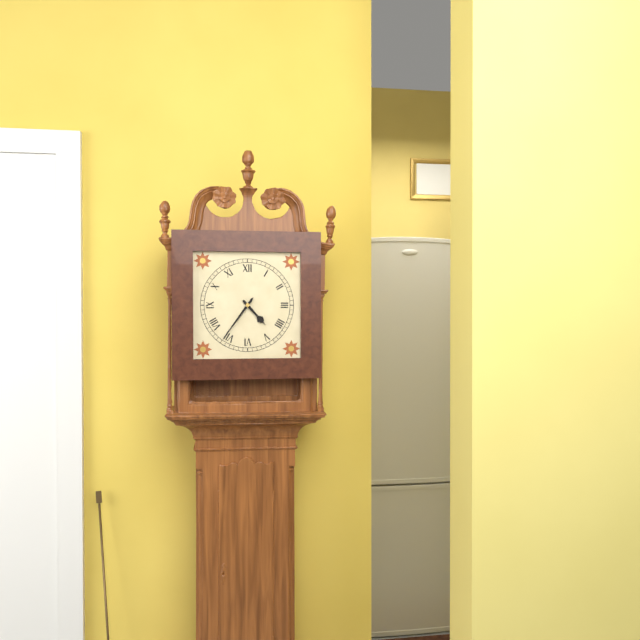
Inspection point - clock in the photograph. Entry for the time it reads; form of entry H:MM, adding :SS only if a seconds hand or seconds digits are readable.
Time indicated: 4:36
